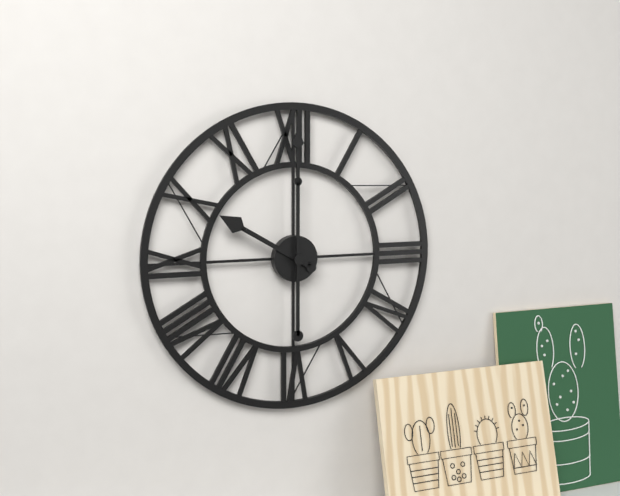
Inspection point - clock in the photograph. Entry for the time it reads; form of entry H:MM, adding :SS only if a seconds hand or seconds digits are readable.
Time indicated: 10:00
